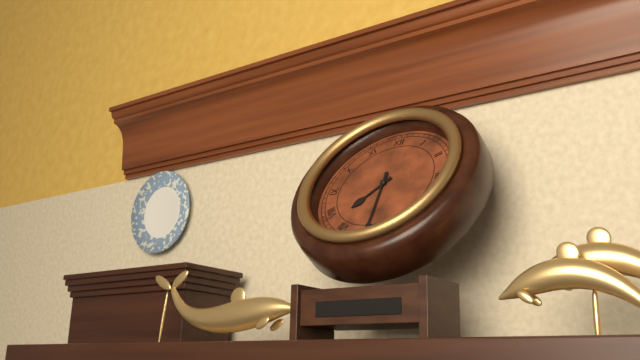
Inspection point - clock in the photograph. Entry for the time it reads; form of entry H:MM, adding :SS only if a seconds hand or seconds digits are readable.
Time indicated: 7:30
